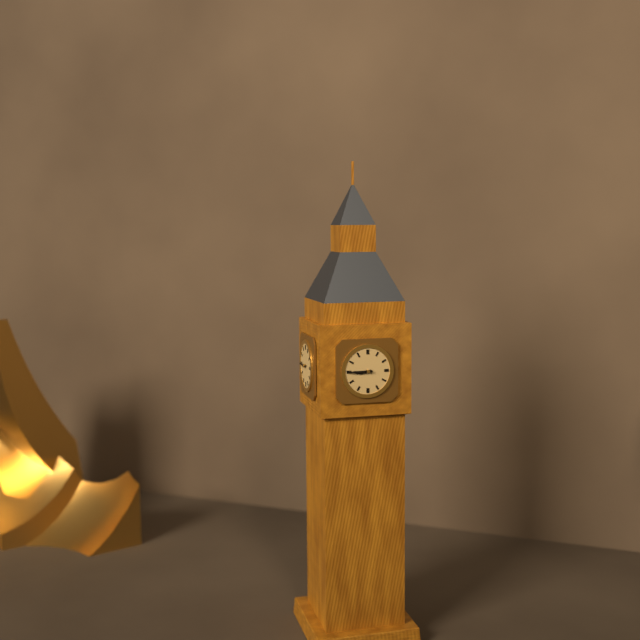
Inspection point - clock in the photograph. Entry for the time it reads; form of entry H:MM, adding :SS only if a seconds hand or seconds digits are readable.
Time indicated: 8:45
